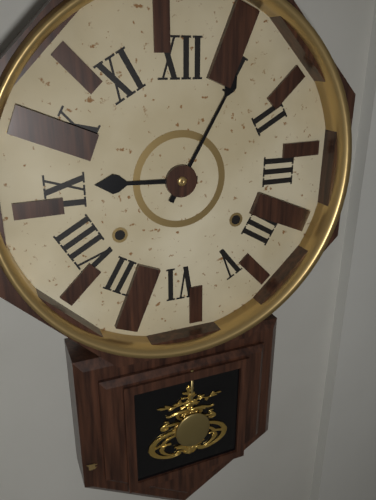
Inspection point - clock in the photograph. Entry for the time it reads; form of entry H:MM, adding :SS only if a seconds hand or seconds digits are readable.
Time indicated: 9:05
